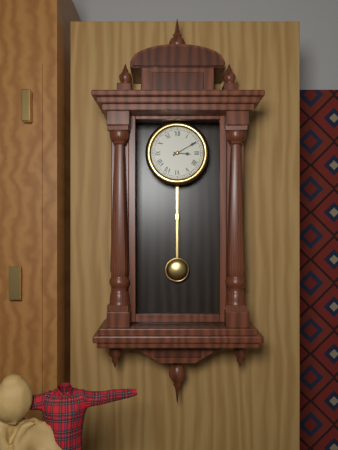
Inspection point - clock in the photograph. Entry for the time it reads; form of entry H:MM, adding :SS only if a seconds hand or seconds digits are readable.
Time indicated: 3:10
